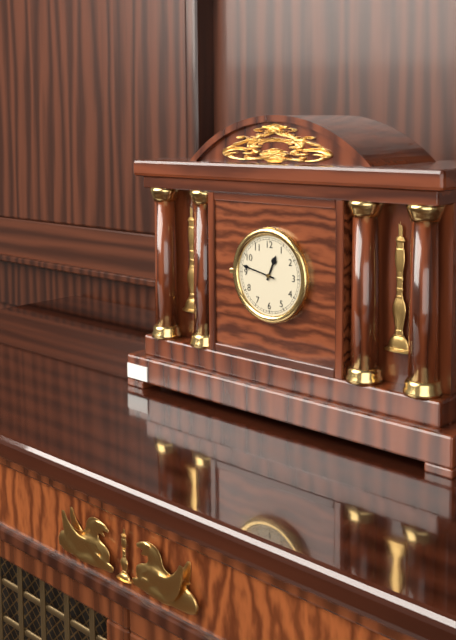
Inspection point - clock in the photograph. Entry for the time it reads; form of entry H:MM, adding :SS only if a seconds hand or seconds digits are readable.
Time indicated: 12:47
